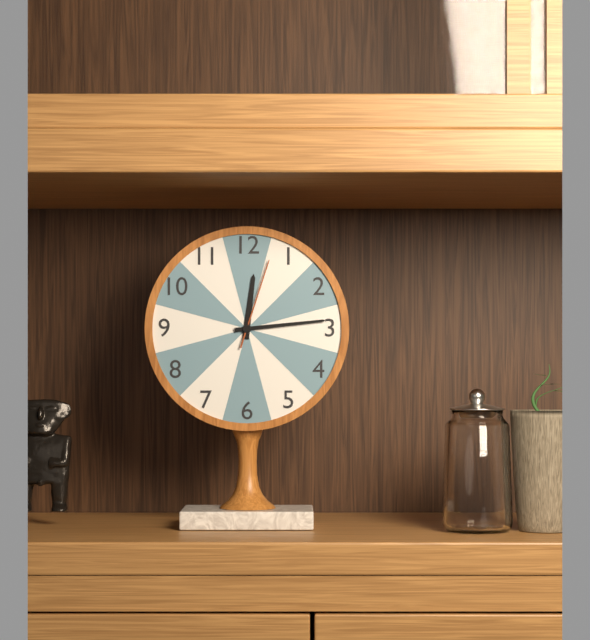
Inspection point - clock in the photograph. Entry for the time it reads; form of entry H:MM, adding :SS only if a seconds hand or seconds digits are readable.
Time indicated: 12:14:03
